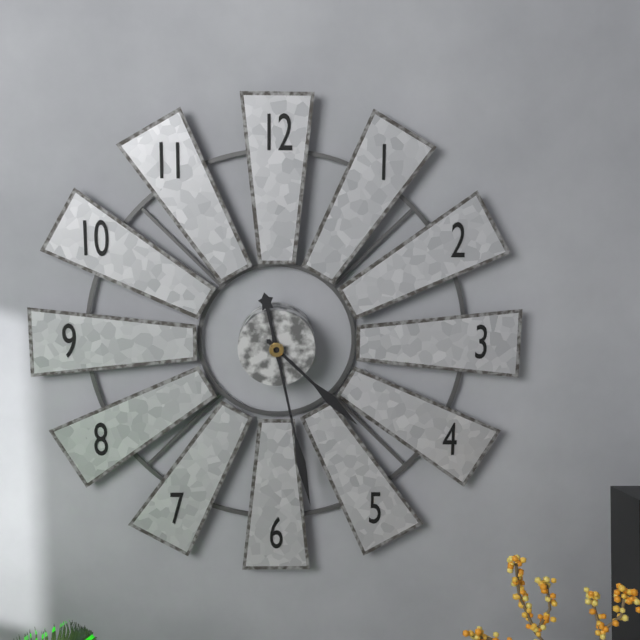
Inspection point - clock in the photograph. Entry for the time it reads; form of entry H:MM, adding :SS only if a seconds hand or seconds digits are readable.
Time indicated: 4:28
